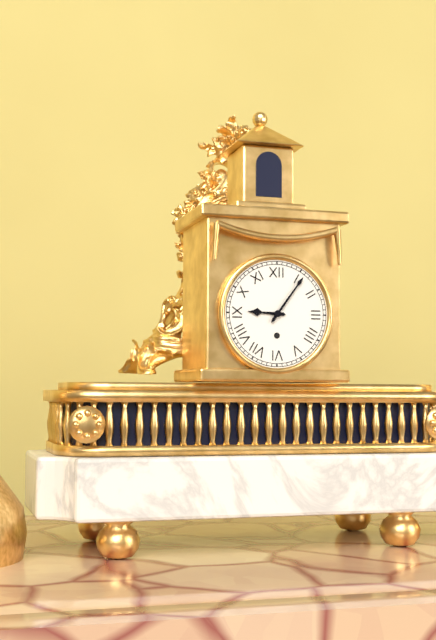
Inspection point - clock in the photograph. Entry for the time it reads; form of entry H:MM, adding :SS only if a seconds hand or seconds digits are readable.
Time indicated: 9:06
